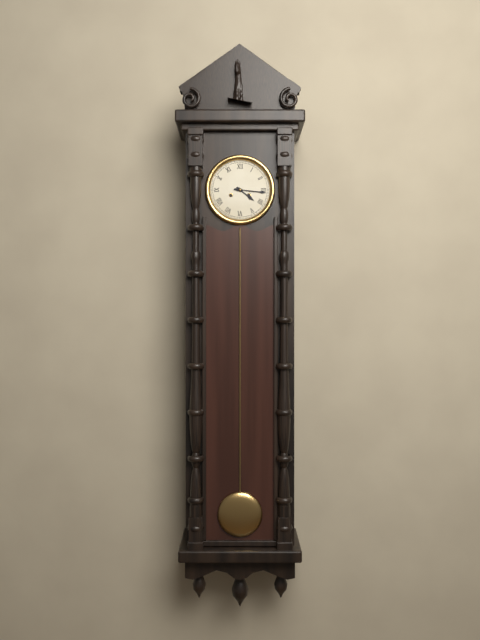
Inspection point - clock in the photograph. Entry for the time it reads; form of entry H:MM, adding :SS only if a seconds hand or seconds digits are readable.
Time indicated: 4:16
